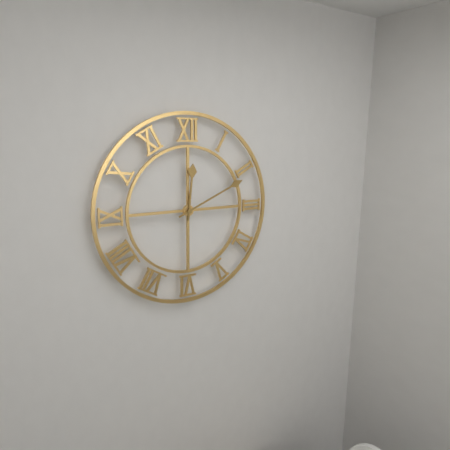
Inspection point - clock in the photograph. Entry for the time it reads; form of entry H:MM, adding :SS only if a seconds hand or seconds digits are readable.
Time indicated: 12:11
